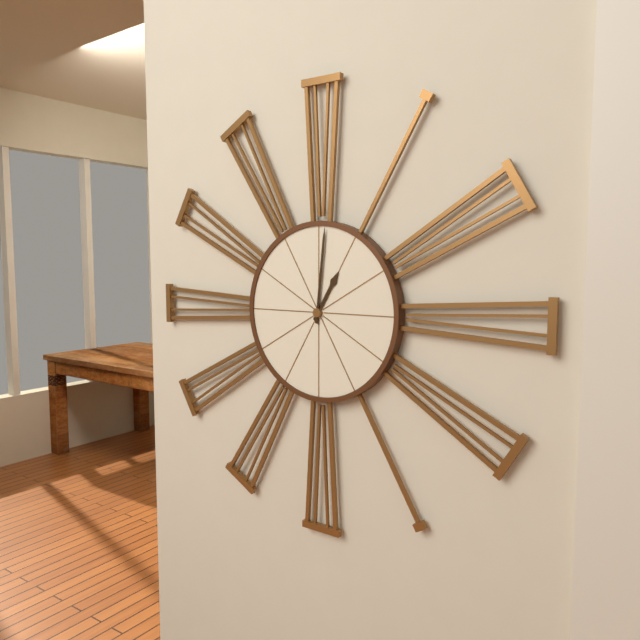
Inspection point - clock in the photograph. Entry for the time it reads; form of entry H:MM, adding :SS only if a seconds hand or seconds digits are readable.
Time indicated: 1:01
